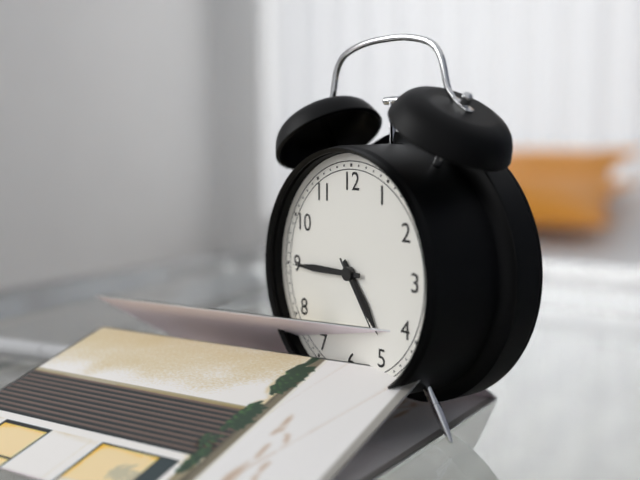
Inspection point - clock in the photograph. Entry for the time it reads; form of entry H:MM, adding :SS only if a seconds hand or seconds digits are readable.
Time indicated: 4:45:24
